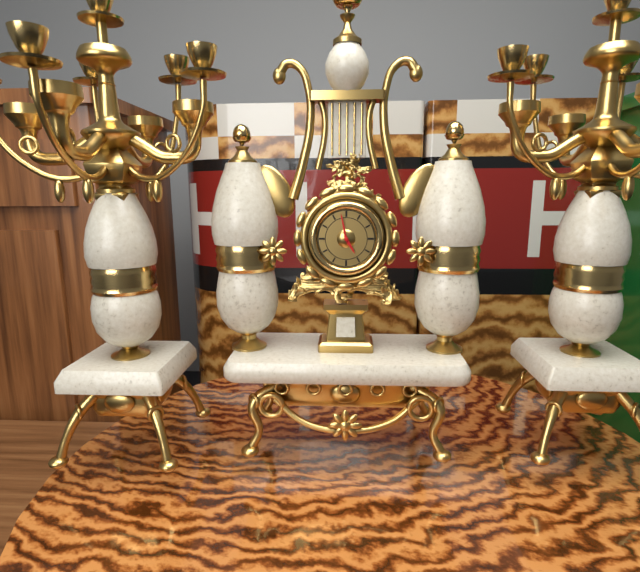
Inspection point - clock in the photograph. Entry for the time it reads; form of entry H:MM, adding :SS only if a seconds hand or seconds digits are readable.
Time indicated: 4:58
